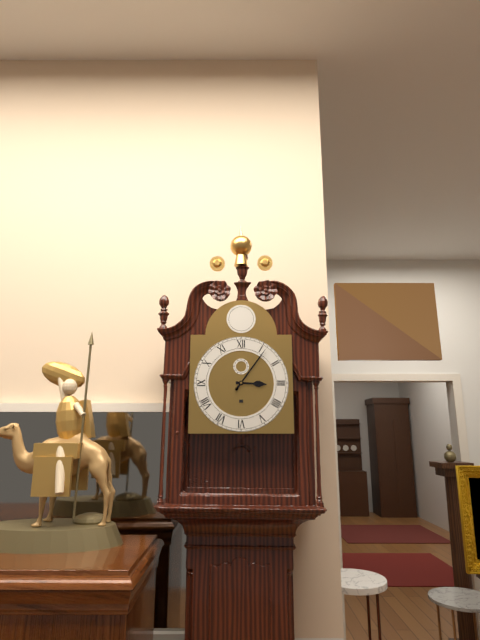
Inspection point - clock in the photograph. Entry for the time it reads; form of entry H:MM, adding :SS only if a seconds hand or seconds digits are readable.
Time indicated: 3:06
